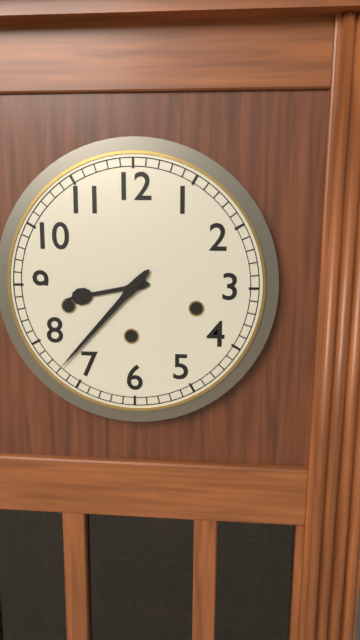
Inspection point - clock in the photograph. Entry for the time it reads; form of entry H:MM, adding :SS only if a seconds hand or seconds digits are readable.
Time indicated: 8:37
